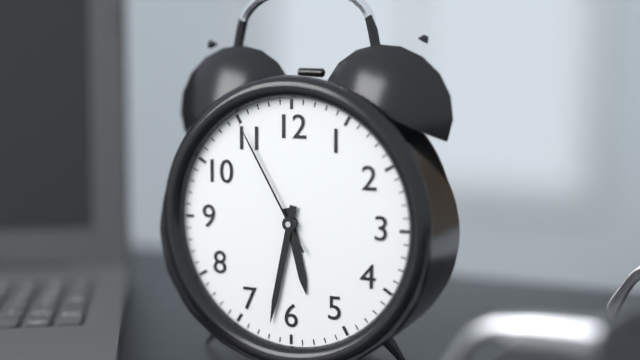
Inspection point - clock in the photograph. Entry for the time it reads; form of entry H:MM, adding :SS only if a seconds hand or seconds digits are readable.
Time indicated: 5:32:55
